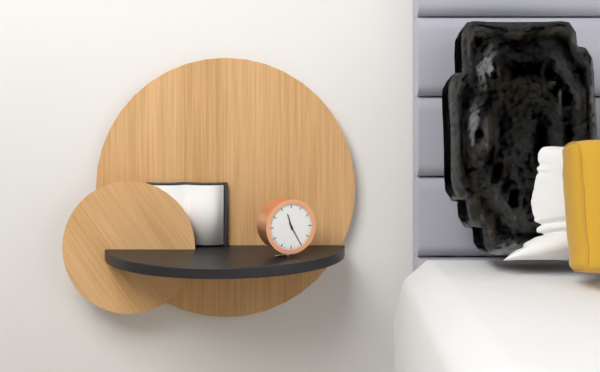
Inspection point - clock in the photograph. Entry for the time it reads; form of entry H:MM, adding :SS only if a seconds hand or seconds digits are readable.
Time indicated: 11:25
